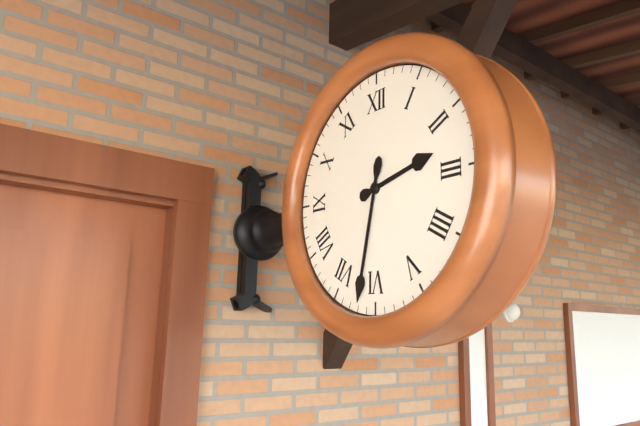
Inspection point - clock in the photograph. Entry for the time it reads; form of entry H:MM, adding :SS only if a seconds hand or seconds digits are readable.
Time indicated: 2:32
